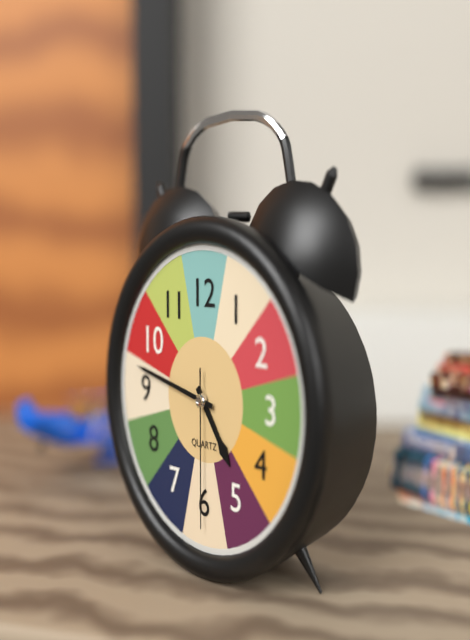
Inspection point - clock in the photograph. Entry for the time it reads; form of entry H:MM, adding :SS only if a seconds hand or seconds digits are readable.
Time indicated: 4:47:30
